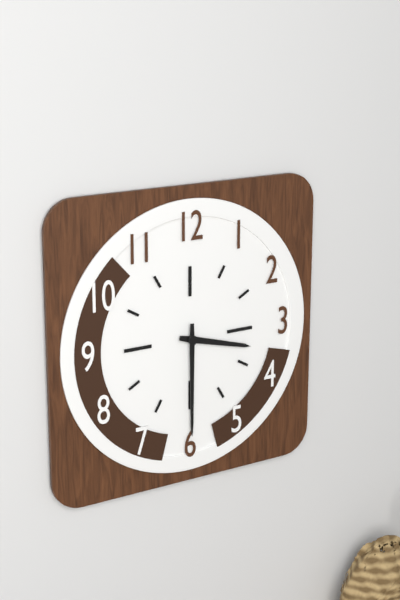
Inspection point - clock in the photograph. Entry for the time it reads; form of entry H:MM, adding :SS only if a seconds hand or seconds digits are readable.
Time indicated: 3:30
